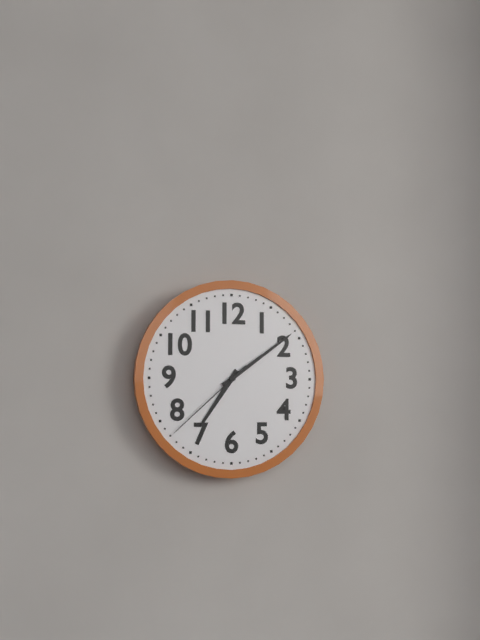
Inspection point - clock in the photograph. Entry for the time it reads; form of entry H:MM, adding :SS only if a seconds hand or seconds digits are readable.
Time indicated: 7:09:38
